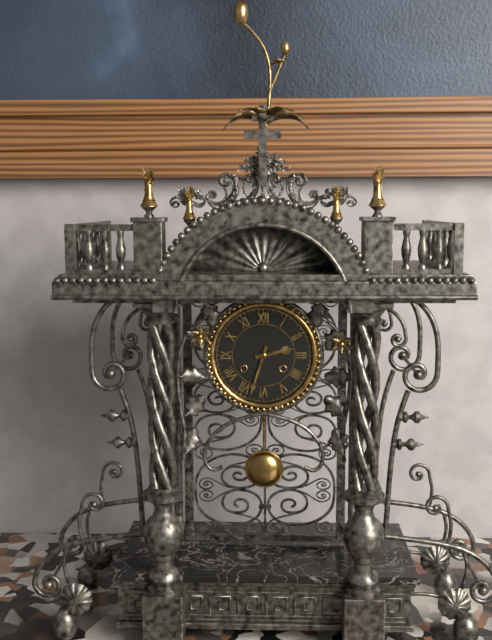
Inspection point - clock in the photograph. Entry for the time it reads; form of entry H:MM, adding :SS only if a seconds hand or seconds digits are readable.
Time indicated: 2:33
